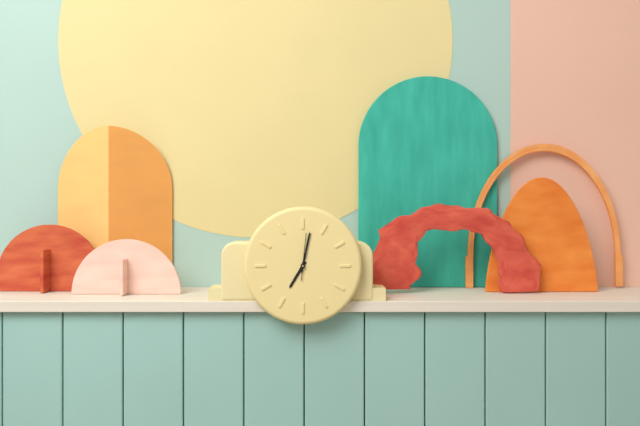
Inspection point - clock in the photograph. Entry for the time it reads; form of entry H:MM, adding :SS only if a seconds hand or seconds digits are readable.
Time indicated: 7:02
